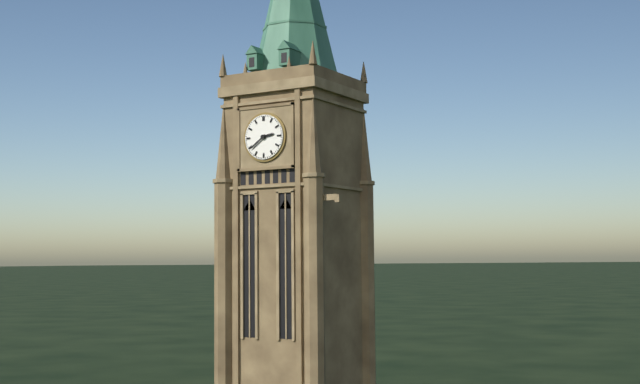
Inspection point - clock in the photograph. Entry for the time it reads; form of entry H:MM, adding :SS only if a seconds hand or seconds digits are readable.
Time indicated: 2:39
